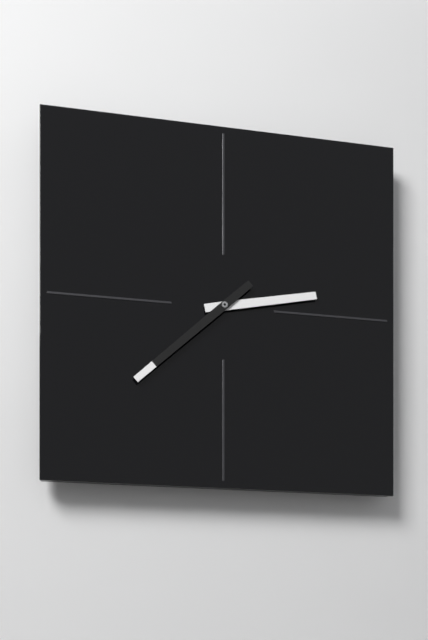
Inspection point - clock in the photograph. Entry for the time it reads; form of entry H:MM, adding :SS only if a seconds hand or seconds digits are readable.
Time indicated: 2:38
